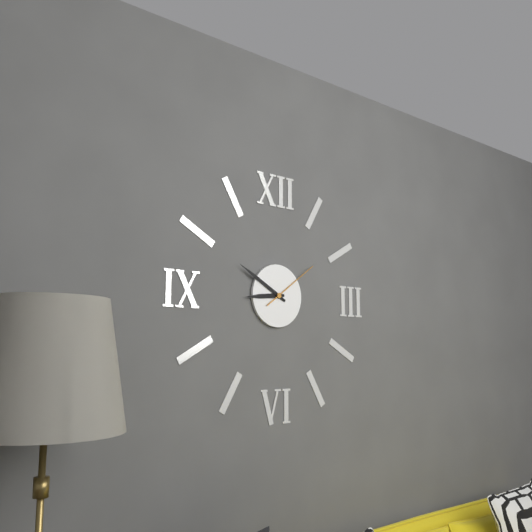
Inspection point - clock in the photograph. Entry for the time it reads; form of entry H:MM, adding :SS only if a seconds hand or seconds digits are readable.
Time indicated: 8:50:09
